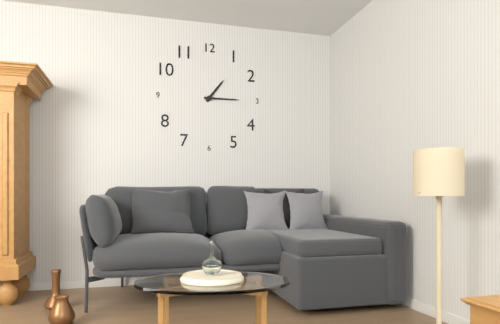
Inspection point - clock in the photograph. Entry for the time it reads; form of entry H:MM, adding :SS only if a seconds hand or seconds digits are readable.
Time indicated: 1:15
